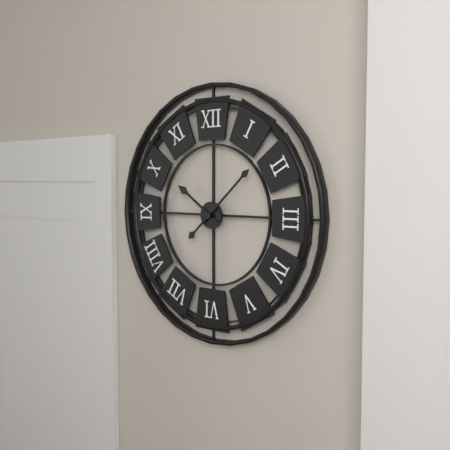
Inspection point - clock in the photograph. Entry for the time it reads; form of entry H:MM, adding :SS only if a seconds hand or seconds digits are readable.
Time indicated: 10:08
